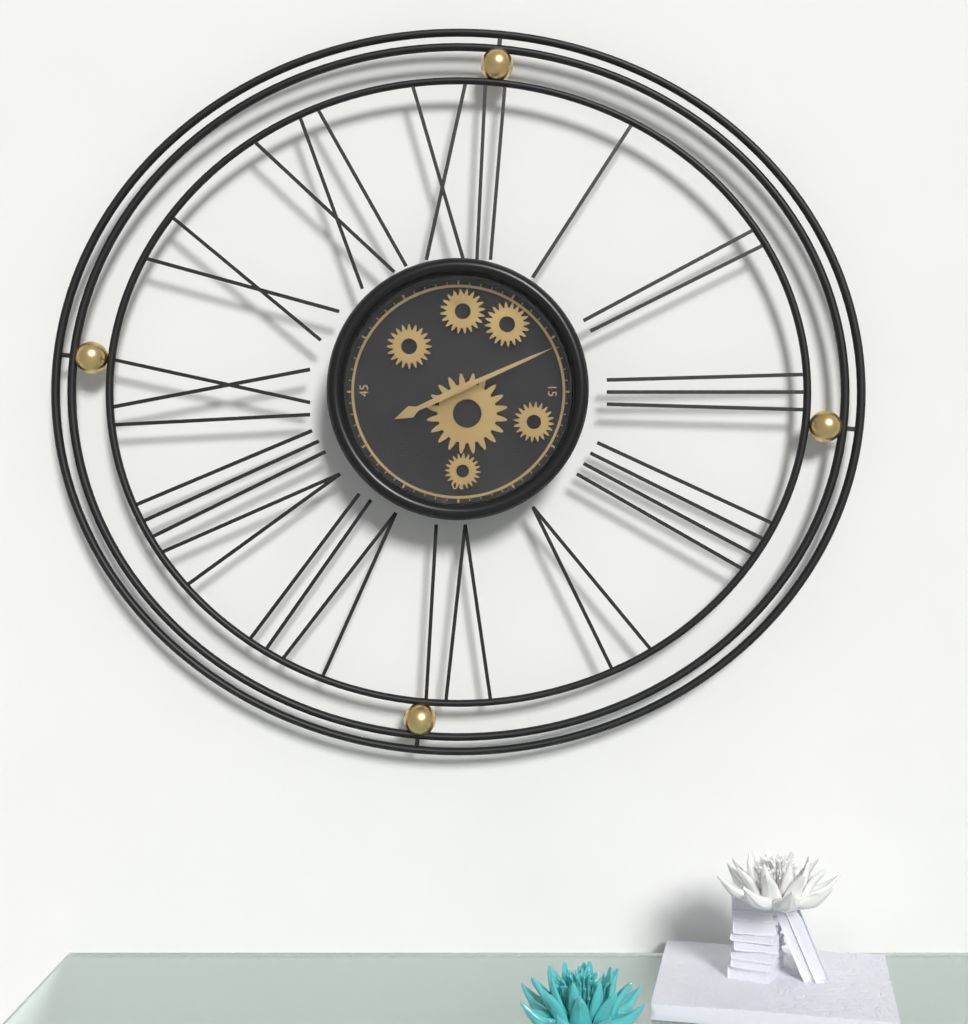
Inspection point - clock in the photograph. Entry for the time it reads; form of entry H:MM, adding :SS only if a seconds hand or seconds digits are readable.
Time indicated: 8:11
